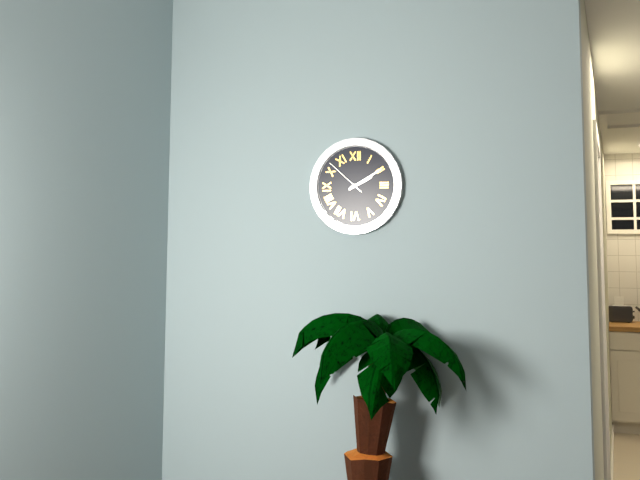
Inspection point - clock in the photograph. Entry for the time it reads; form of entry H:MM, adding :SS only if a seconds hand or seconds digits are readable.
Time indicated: 2:10
